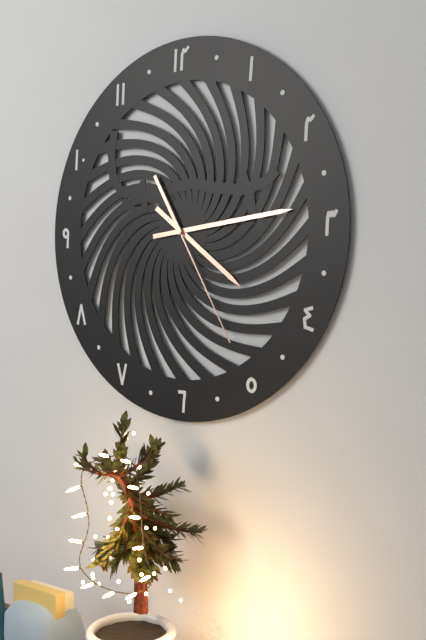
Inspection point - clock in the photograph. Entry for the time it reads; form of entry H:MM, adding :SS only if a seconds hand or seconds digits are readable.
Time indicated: 4:14:25
